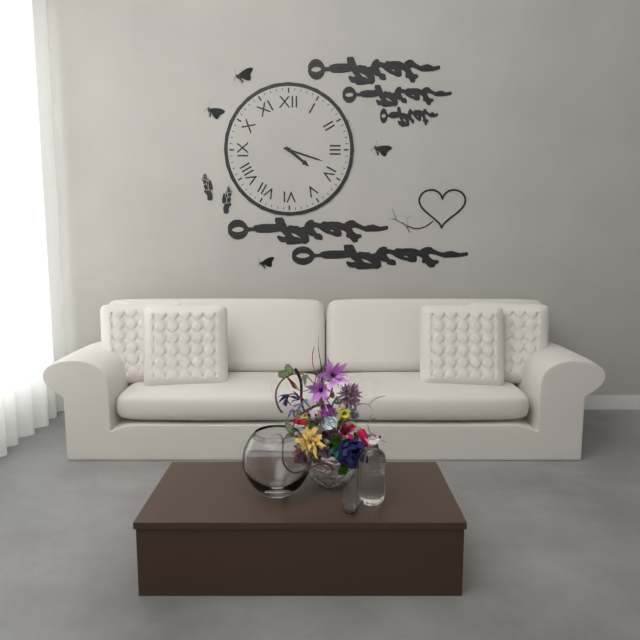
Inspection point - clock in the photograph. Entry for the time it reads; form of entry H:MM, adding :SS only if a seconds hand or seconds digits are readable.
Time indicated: 4:18
